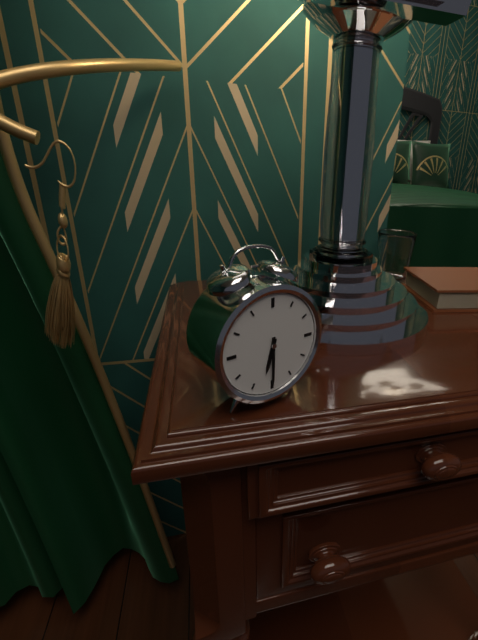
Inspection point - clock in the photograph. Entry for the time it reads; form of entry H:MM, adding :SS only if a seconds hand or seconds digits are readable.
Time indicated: 6:30
